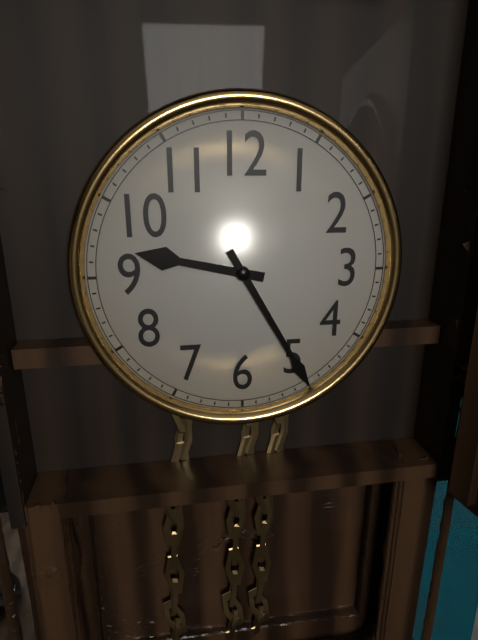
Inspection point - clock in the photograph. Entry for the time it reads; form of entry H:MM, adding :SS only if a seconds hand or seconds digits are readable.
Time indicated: 9:25
